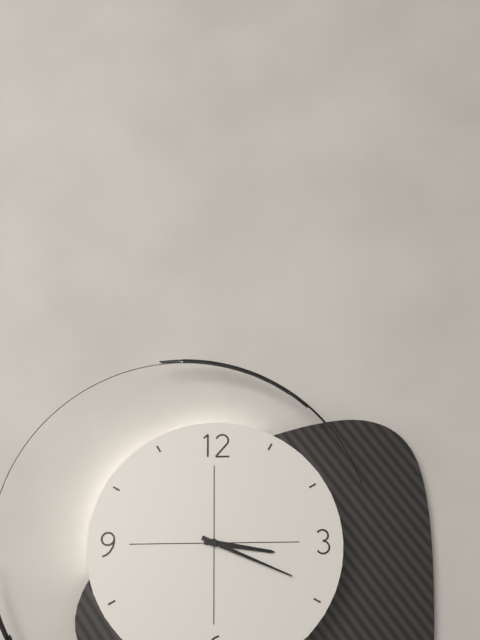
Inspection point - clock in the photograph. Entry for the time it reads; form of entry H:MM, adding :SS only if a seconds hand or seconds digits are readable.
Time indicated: 3:19
